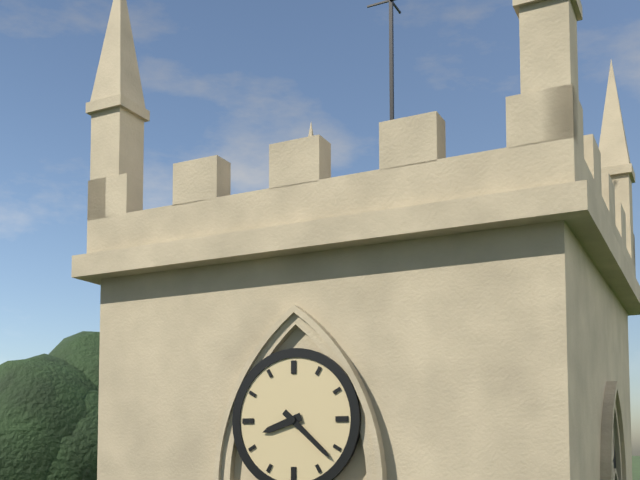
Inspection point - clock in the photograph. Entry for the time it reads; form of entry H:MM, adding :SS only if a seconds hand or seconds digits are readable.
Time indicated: 8:22
